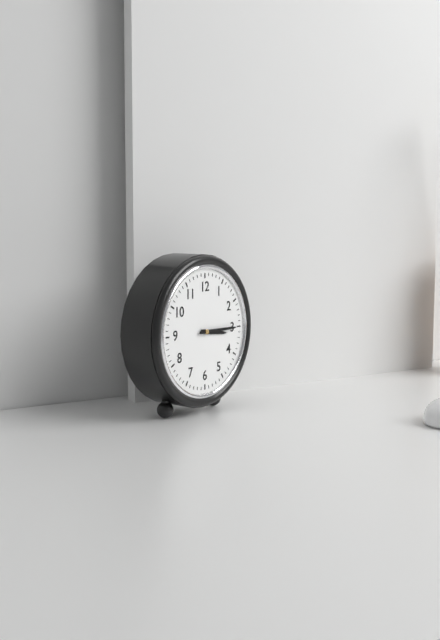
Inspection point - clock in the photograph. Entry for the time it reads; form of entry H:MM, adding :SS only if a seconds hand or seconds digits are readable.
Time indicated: 3:15
